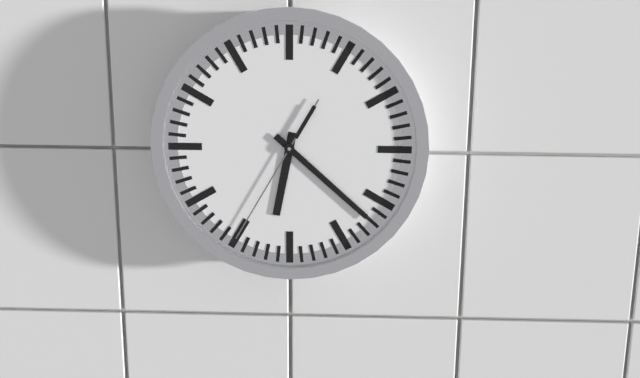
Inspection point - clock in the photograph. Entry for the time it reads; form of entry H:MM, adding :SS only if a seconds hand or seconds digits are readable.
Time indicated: 6:22:35
